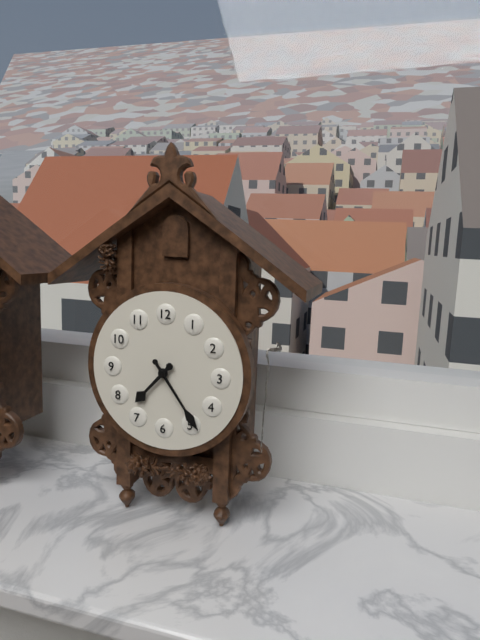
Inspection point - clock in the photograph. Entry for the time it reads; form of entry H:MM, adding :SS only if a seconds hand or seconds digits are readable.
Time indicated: 7:24
